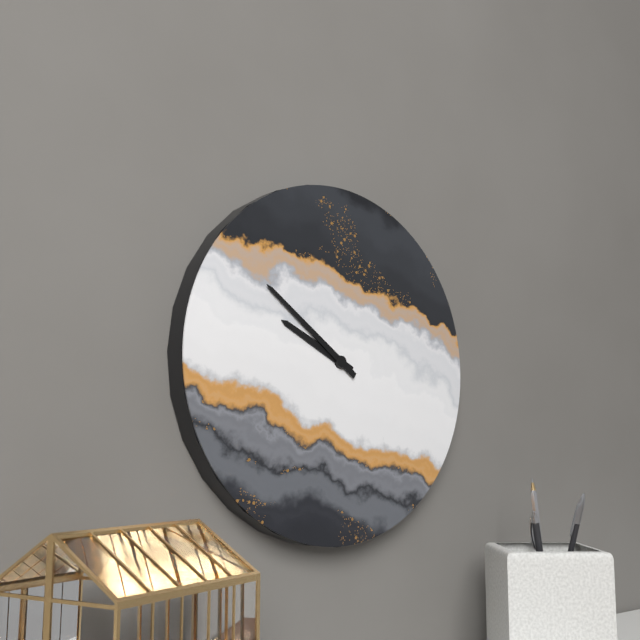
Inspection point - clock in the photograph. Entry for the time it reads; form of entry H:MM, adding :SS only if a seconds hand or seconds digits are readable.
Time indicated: 9:51
